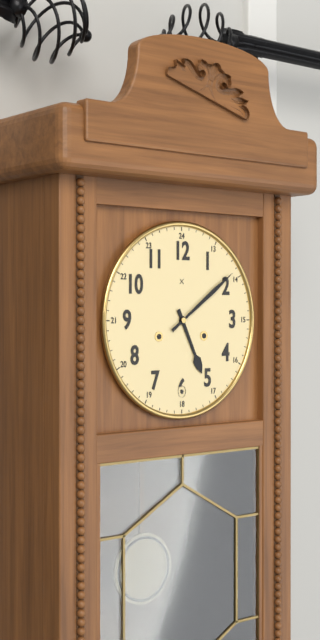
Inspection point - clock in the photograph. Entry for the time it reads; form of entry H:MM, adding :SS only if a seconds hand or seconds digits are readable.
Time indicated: 5:09
